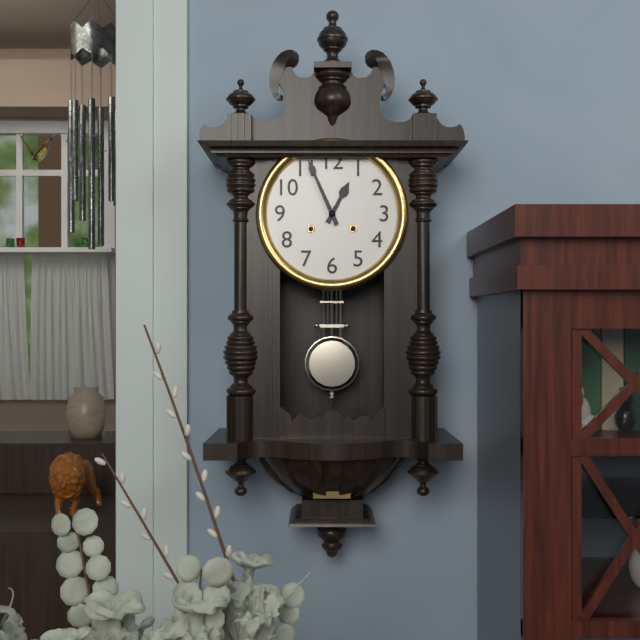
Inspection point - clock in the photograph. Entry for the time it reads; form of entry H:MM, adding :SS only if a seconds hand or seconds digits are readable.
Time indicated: 12:56
